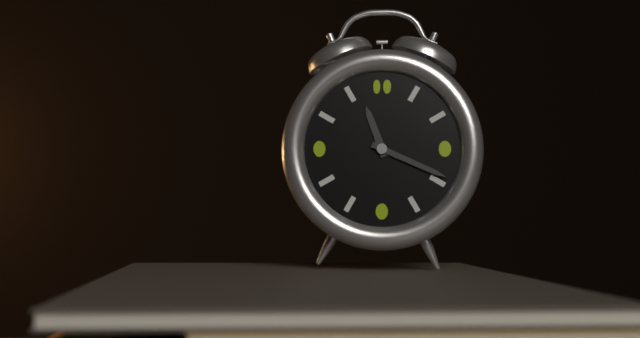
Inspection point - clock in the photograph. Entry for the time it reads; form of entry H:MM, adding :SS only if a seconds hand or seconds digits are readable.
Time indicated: 11:19
